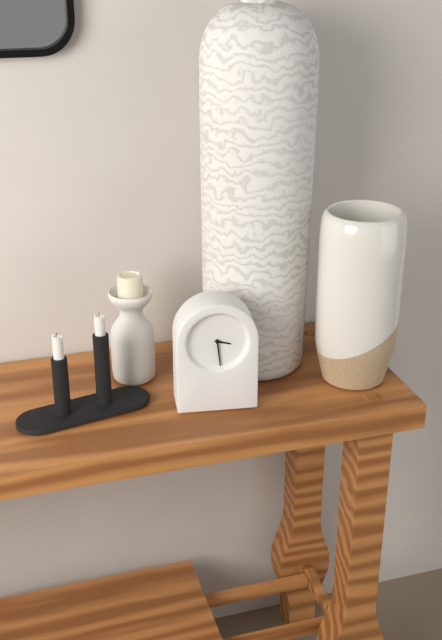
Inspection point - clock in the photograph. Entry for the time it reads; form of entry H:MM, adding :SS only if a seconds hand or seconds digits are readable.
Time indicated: 3:29
